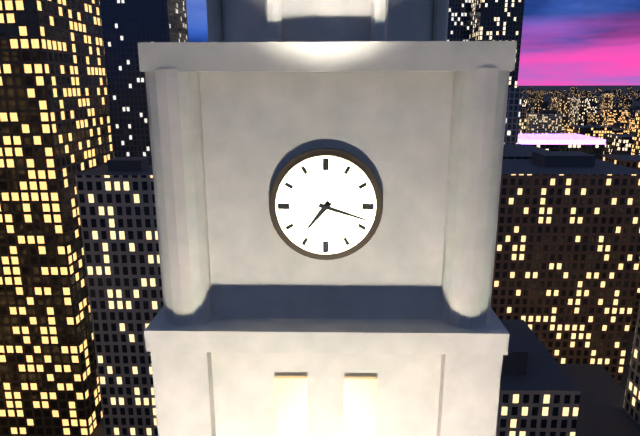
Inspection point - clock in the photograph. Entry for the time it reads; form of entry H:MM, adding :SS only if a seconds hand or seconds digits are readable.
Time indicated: 7:18
